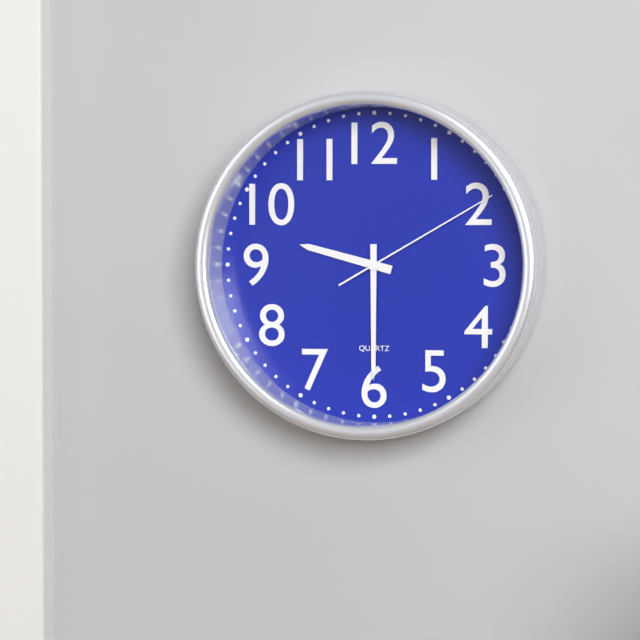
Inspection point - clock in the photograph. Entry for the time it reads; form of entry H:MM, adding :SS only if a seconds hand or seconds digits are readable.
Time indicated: 9:30:10
